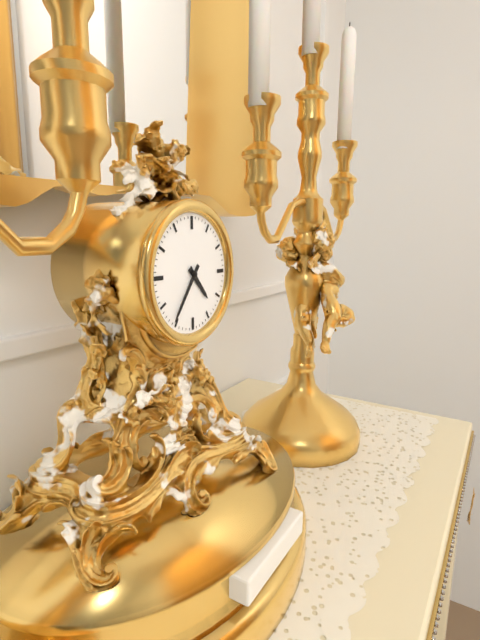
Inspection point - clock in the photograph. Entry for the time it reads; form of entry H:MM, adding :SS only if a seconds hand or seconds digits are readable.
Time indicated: 4:36
